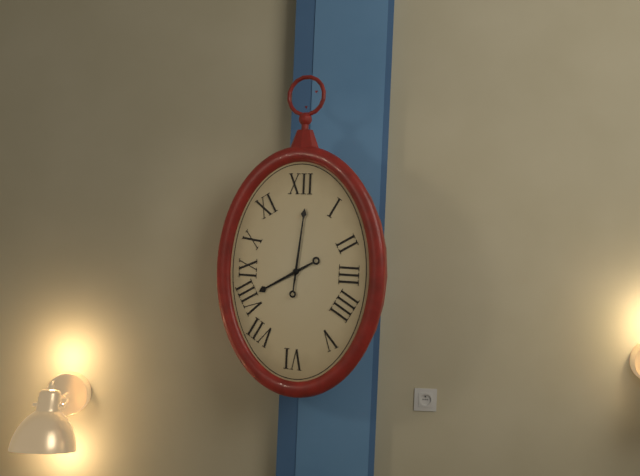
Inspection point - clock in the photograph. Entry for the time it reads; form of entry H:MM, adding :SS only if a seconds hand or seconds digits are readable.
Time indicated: 8:01
